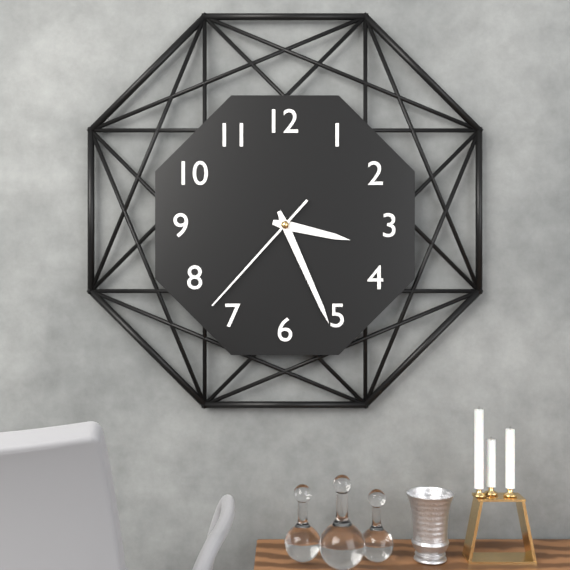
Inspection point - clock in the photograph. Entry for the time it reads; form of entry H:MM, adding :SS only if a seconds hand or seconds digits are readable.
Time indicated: 3:26:37
